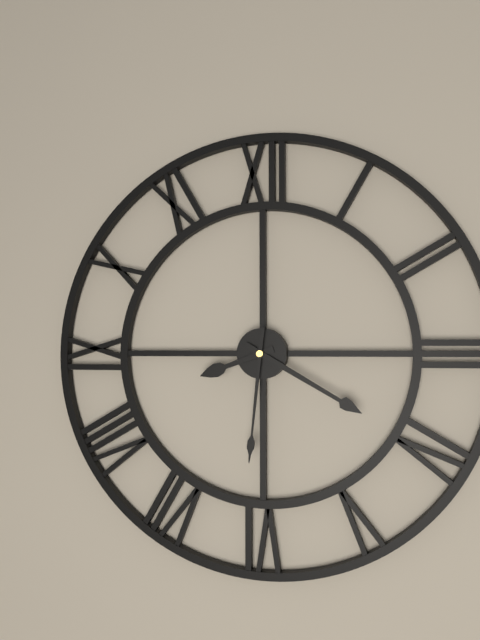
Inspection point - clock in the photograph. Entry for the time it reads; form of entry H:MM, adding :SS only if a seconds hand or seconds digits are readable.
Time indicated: 8:20:31
